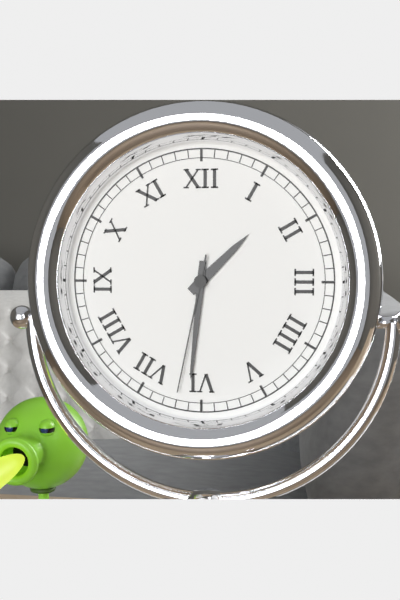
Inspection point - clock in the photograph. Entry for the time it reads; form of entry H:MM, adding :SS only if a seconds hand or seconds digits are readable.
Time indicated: 1:31:32
